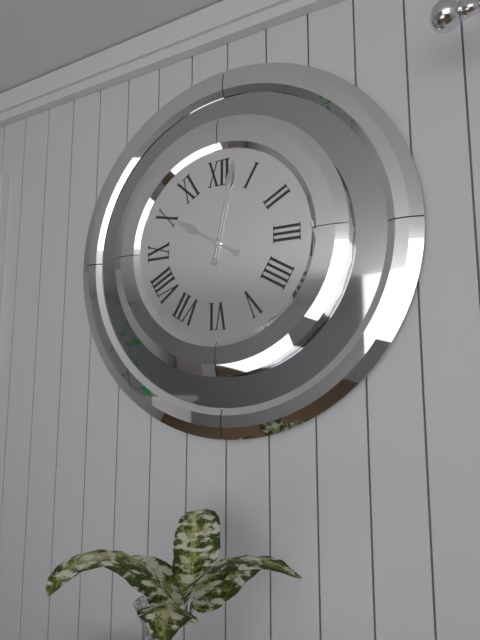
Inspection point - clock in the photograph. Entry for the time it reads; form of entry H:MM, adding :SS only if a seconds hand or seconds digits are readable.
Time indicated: 10:02
